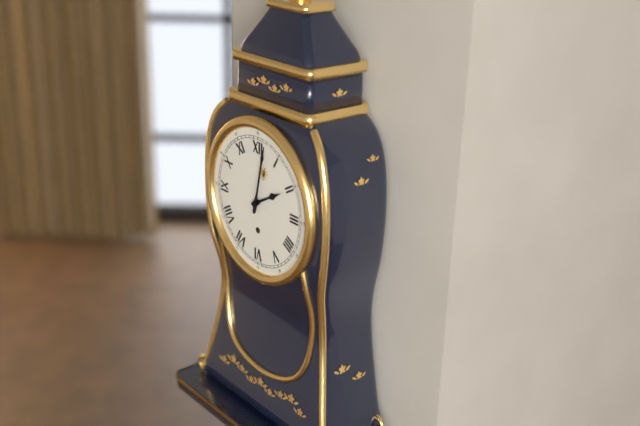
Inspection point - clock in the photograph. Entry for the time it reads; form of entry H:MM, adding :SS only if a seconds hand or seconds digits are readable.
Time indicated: 2:02
